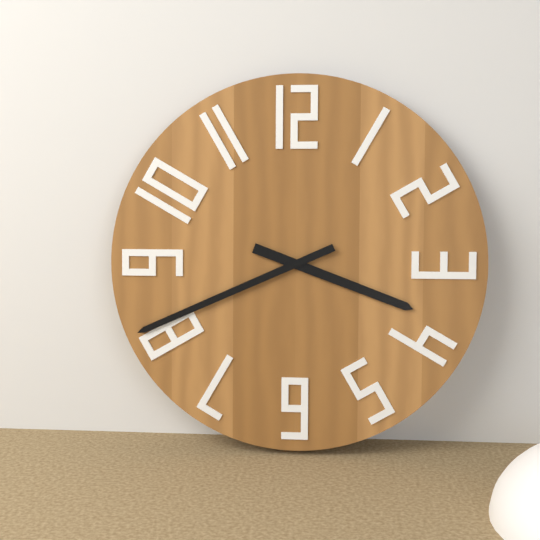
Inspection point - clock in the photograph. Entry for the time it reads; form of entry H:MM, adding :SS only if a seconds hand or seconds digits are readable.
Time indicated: 3:41
